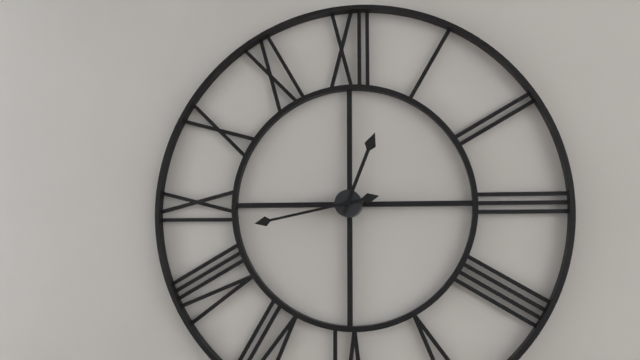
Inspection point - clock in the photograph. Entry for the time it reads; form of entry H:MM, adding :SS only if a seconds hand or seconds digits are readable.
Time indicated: 12:43
